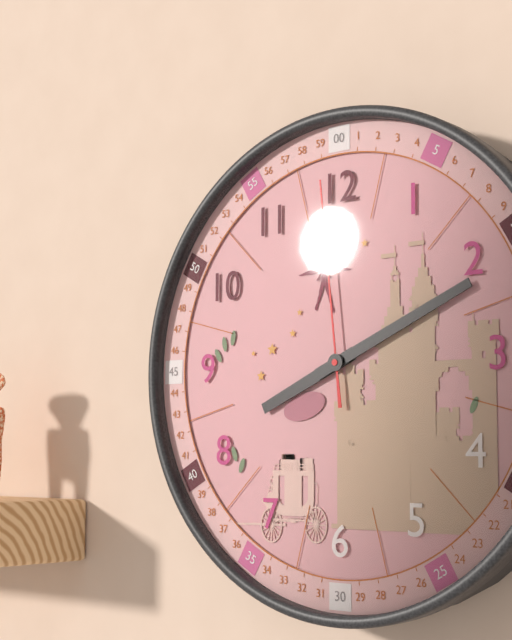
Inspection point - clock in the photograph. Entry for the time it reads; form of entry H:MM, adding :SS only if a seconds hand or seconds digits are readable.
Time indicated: 8:11:59
